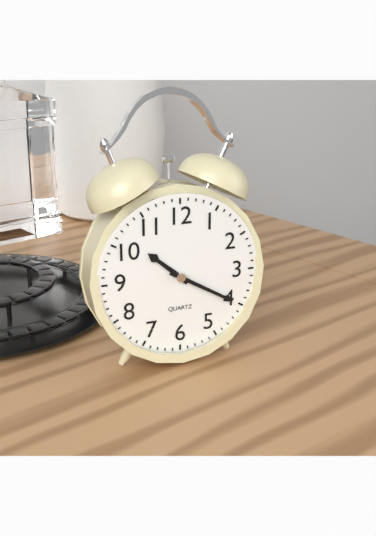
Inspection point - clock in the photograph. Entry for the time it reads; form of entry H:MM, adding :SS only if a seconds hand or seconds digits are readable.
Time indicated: 10:20
